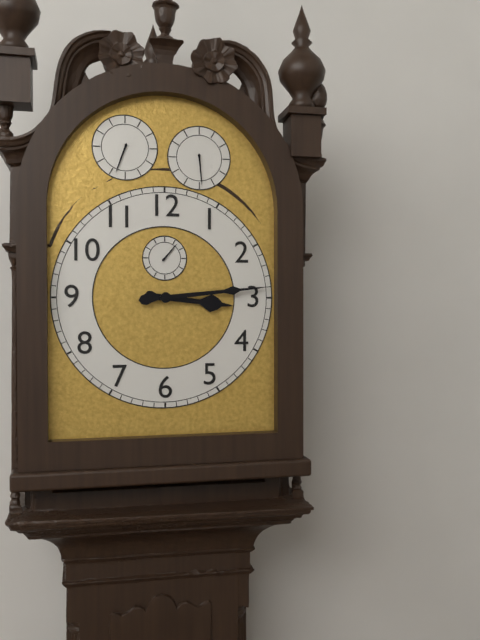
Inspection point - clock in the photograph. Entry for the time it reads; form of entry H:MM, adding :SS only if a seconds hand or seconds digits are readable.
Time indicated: 3:14
